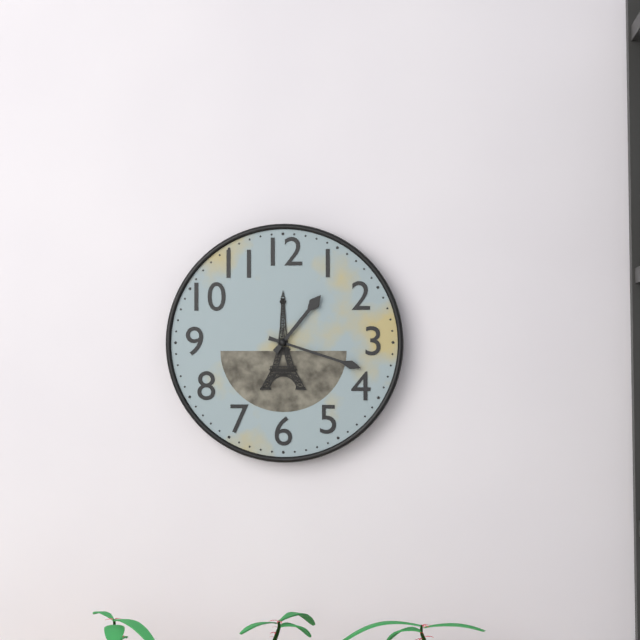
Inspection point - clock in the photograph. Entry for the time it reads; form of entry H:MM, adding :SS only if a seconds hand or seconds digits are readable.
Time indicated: 1:18
